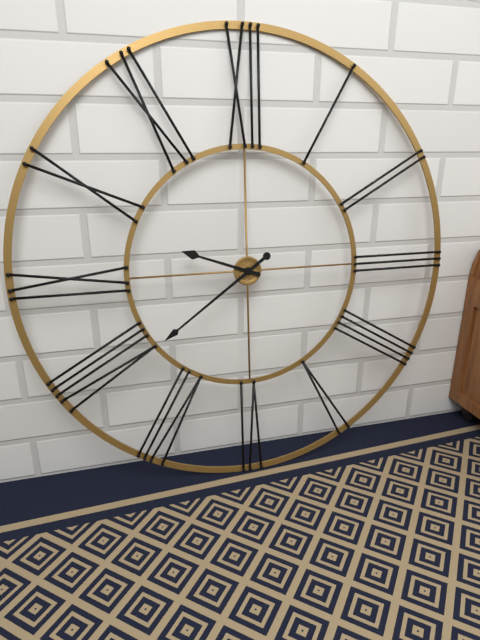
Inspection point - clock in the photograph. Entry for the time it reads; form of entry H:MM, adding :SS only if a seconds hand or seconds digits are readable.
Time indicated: 9:39
